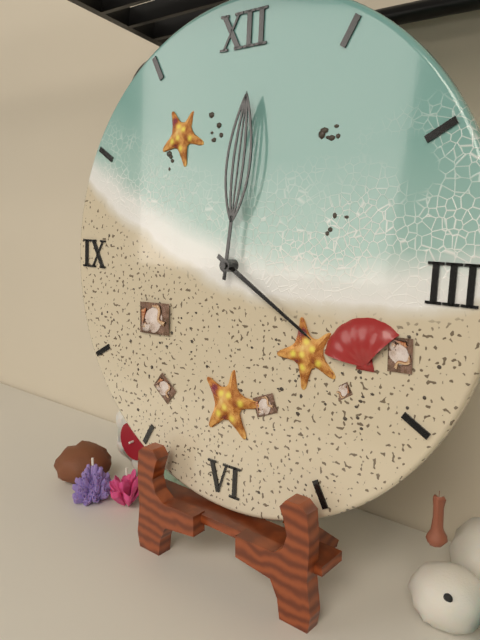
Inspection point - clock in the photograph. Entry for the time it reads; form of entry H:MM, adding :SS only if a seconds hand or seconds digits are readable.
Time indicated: 4:01
